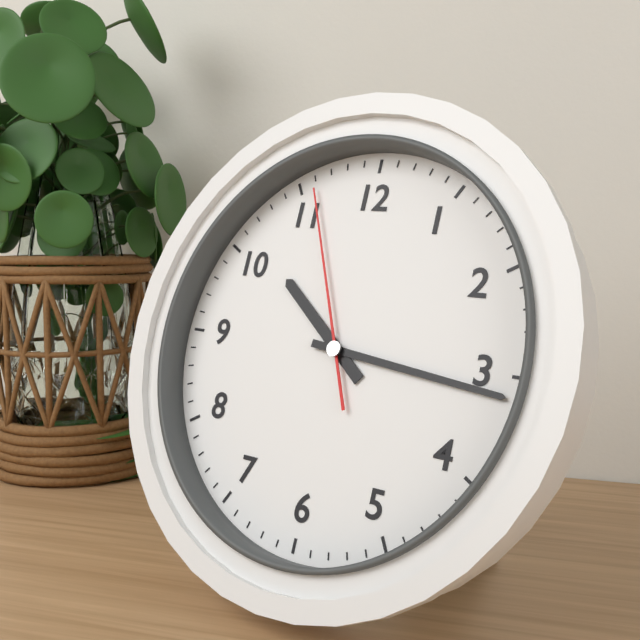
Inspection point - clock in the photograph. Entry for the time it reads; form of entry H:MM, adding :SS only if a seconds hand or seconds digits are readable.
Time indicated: 10:16:56
